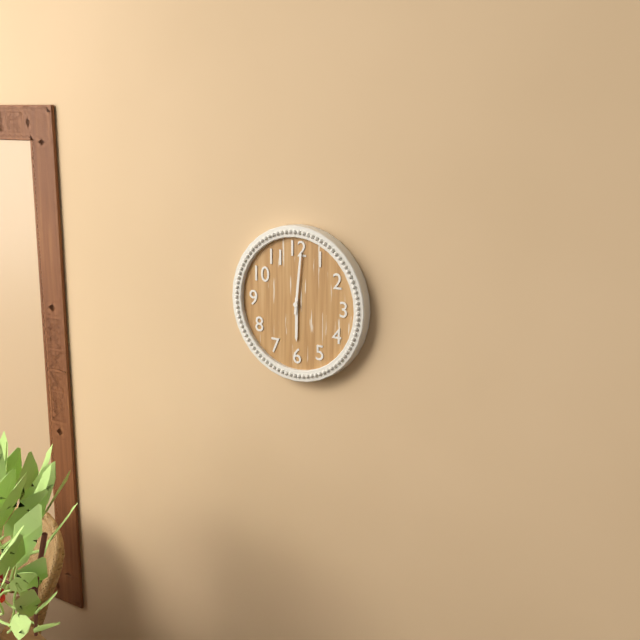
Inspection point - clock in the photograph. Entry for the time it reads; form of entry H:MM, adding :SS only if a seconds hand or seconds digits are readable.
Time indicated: 6:01
